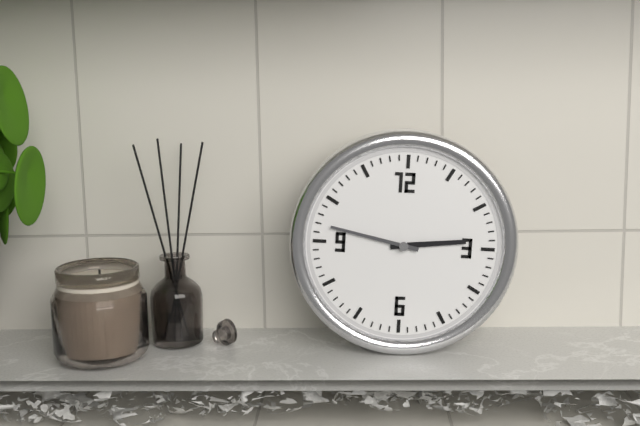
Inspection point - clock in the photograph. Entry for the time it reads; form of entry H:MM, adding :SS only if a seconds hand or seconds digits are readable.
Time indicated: 2:47
